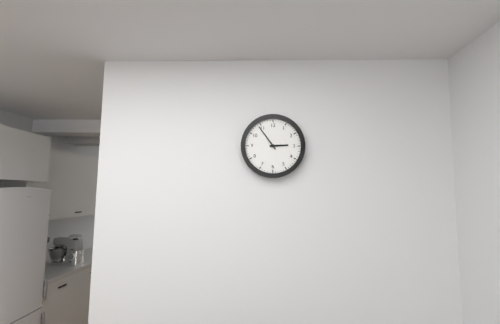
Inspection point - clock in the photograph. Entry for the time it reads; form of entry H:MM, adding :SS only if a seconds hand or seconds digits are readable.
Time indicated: 2:54
